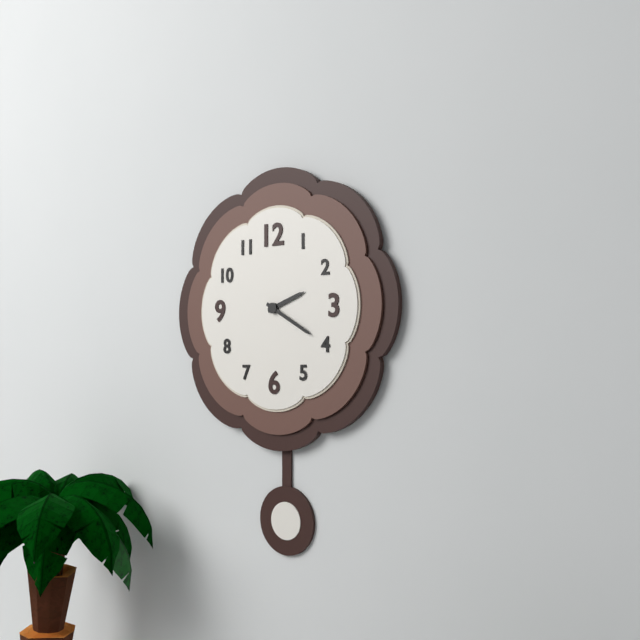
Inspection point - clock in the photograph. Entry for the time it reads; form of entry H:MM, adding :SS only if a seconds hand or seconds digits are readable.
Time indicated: 2:20
